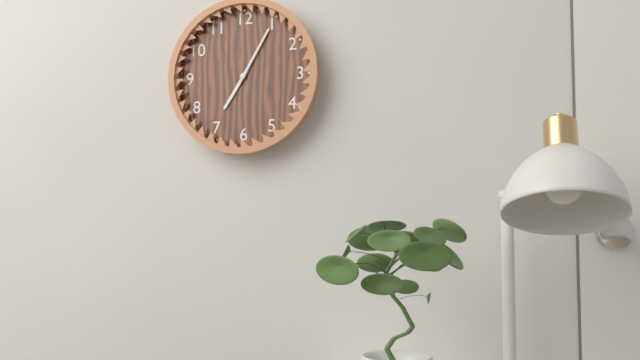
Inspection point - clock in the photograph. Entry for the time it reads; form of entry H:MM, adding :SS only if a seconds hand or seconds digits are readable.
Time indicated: 7:05
